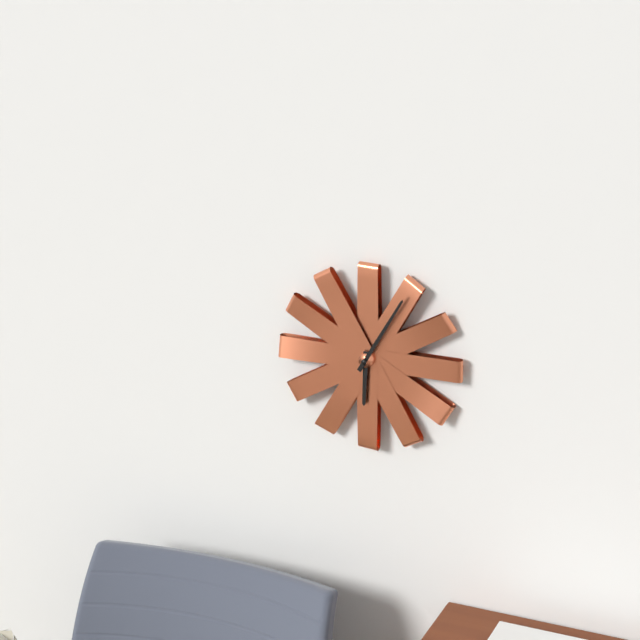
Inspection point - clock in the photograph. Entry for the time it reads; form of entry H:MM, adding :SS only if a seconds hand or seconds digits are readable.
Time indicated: 6:05
